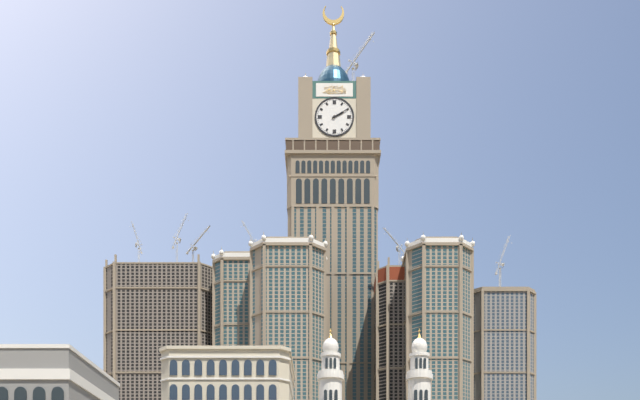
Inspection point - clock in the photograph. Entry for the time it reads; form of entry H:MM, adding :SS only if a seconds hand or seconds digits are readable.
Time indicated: 2:10
